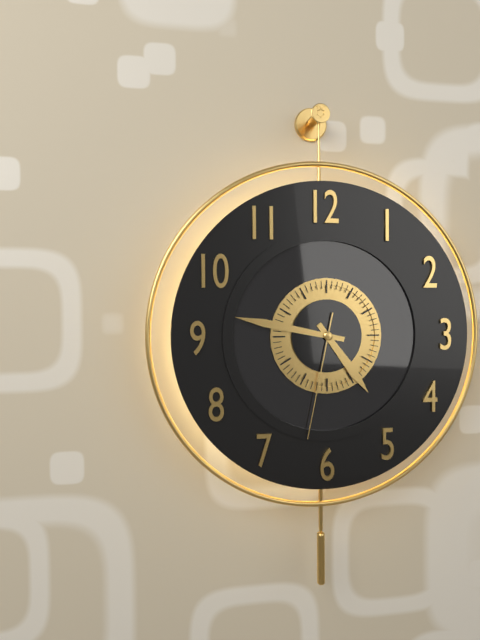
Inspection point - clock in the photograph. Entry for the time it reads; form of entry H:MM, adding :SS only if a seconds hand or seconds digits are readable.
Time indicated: 4:47:32
